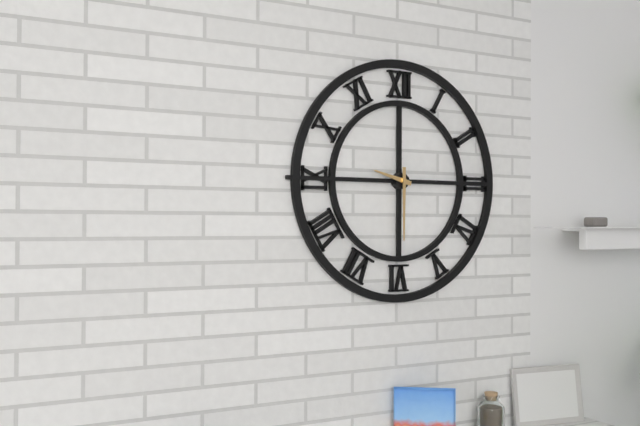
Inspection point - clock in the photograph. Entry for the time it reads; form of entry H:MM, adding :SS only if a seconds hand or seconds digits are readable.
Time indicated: 9:30
